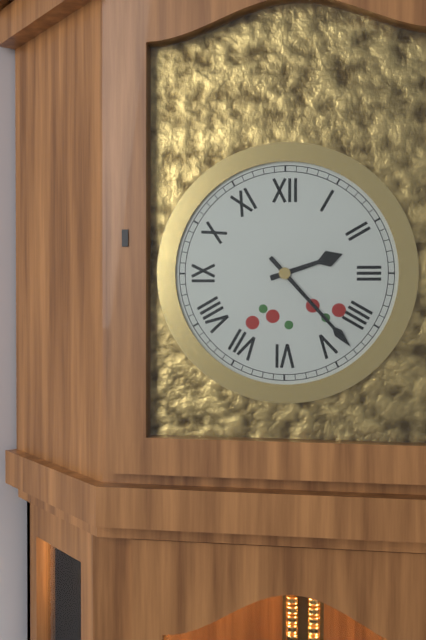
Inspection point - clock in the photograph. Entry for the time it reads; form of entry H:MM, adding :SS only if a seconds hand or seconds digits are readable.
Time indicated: 2:23
